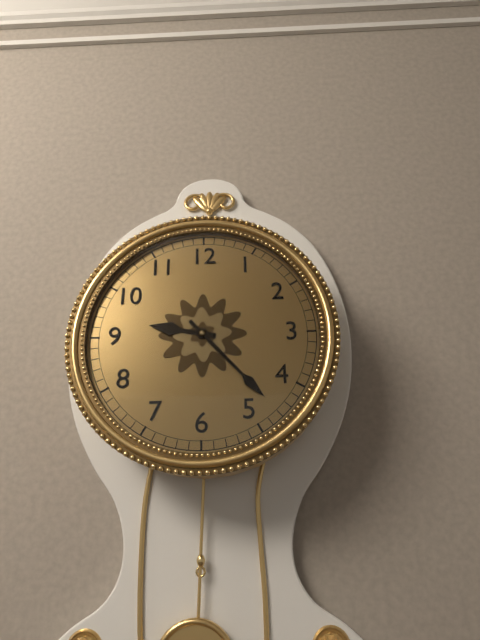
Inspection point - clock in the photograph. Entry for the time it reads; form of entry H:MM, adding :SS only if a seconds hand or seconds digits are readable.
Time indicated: 9:23
